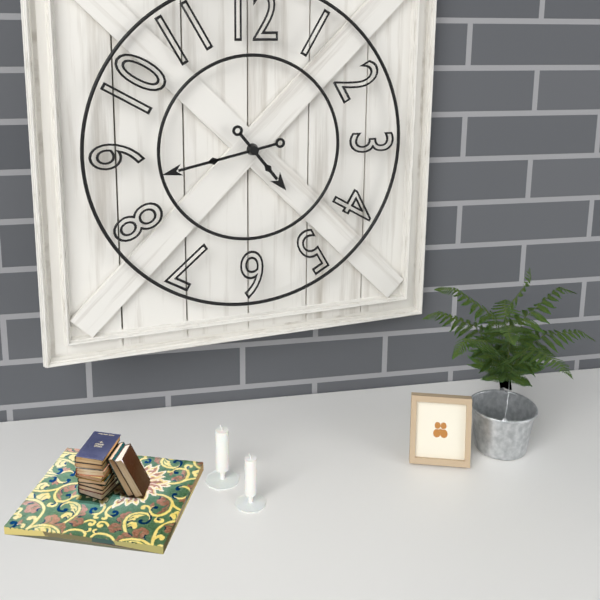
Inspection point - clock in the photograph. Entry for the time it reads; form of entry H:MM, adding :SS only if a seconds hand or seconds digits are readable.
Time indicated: 4:43
